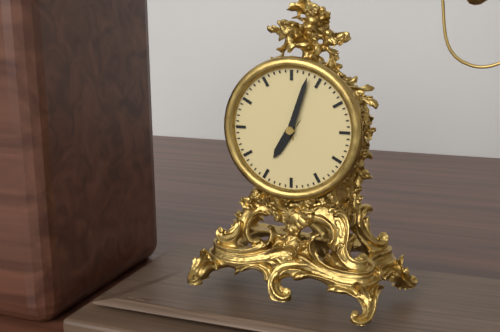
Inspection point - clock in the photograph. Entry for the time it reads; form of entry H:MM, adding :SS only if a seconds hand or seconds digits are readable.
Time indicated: 7:03
